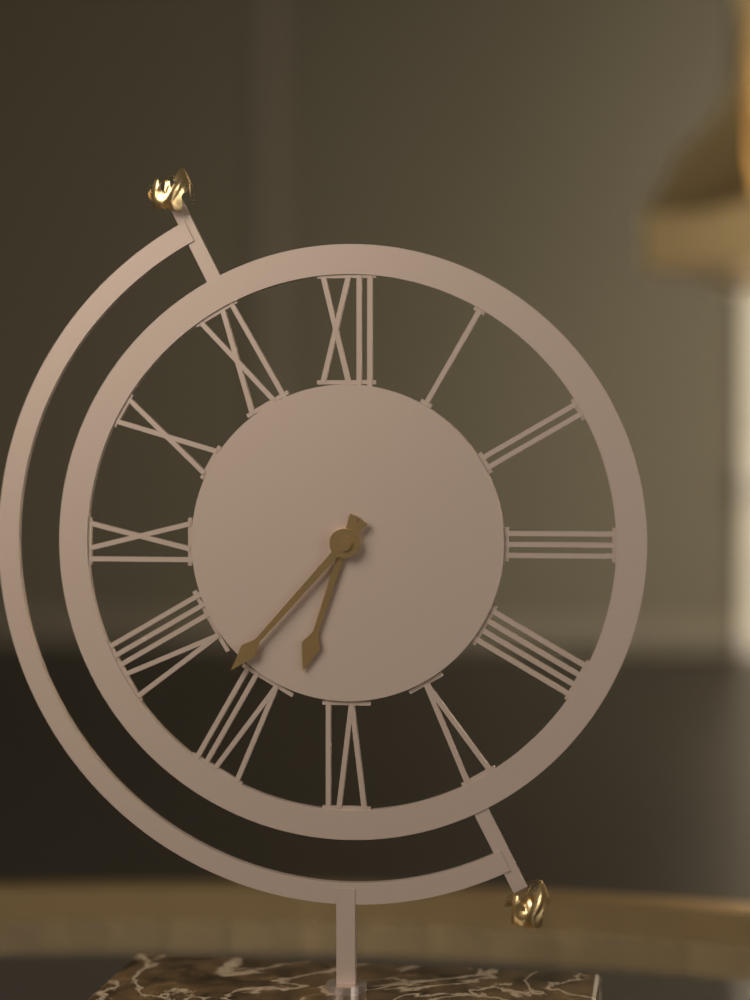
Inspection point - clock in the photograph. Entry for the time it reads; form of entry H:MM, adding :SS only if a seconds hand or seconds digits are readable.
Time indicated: 6:37
